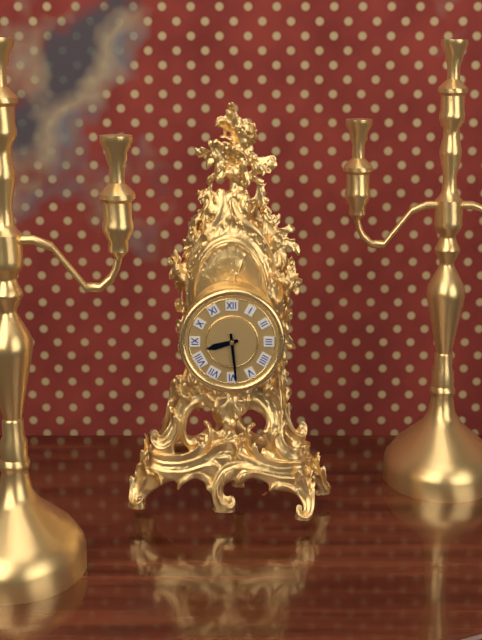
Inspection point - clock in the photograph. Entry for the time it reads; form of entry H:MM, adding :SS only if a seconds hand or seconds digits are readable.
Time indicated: 8:29
